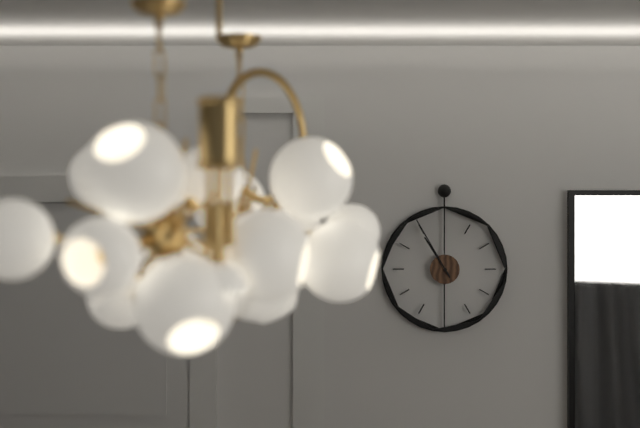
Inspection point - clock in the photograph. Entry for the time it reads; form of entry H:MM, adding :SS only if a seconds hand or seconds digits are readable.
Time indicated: 10:55
